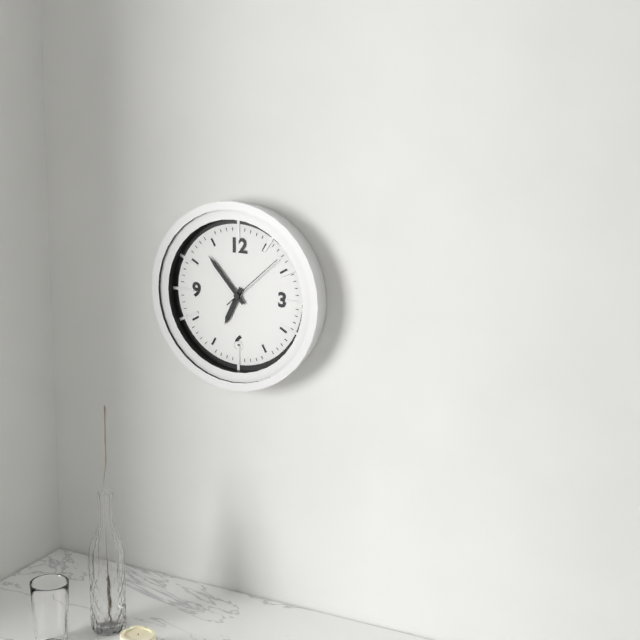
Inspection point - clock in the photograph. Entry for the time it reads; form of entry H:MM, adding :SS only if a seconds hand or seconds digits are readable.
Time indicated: 6:53:08
